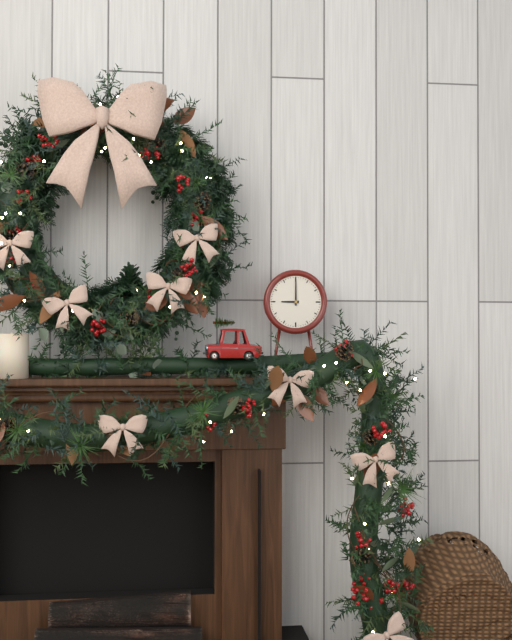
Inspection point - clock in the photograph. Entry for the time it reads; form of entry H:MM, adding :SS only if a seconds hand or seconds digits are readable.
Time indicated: 9:00
